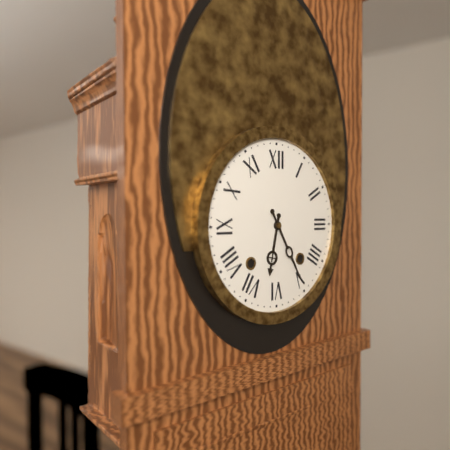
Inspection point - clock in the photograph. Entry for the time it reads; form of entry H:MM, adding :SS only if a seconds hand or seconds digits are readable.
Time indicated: 6:25
